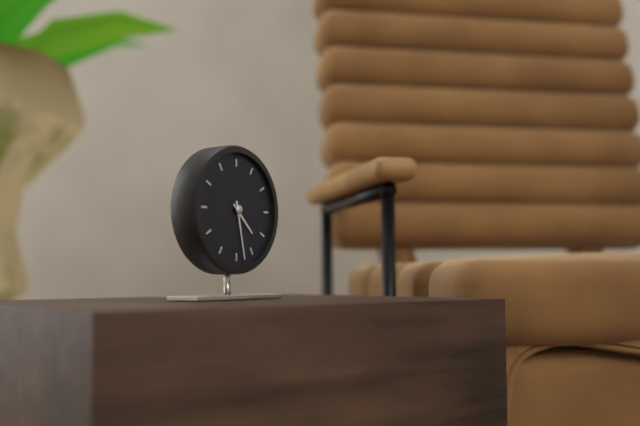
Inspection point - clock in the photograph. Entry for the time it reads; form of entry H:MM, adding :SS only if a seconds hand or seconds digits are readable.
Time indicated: 4:28
